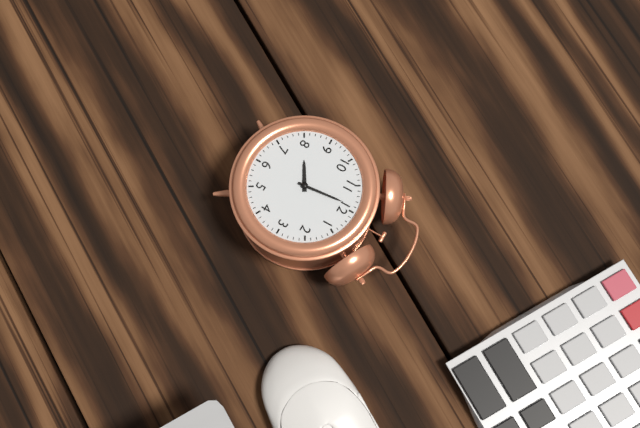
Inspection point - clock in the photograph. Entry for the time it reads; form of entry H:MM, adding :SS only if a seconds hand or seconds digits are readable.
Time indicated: 7:59
